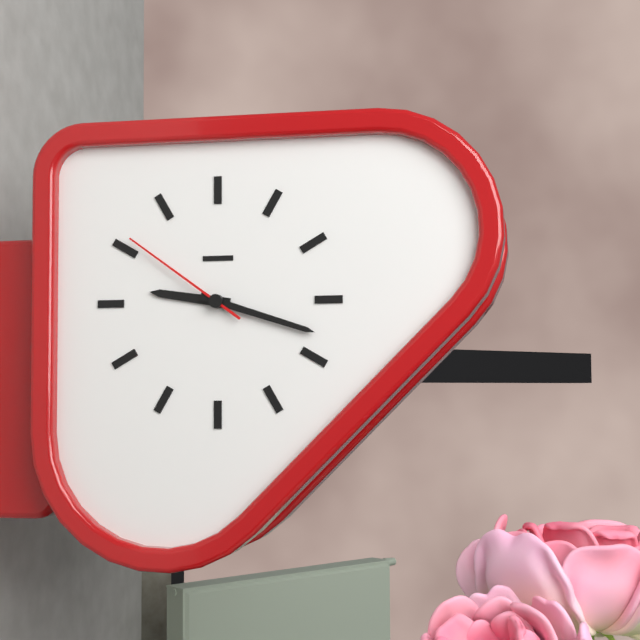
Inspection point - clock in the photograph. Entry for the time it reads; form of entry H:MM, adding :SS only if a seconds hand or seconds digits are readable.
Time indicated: 9:18:51
